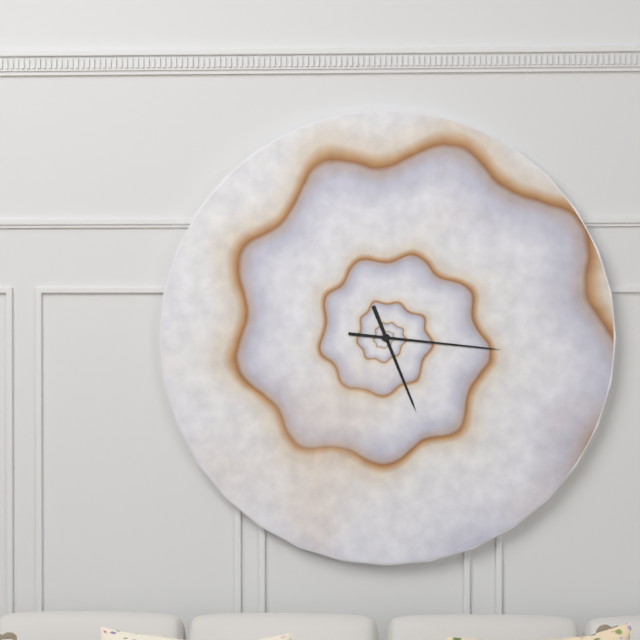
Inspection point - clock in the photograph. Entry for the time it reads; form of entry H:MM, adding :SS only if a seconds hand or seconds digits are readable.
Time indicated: 5:16
